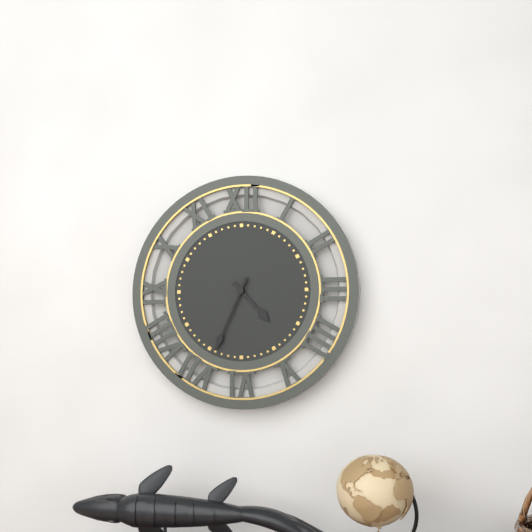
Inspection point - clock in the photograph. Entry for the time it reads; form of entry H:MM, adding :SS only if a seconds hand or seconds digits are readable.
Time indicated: 4:34
